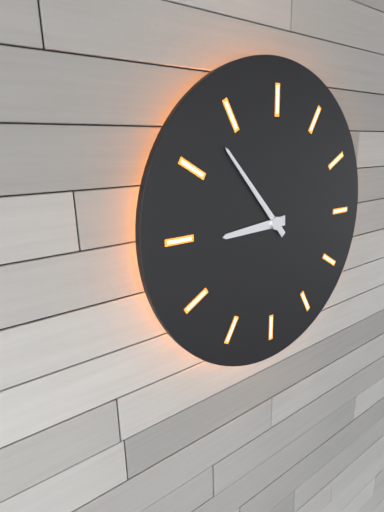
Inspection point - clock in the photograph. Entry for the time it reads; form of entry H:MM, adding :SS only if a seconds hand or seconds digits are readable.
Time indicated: 8:53
